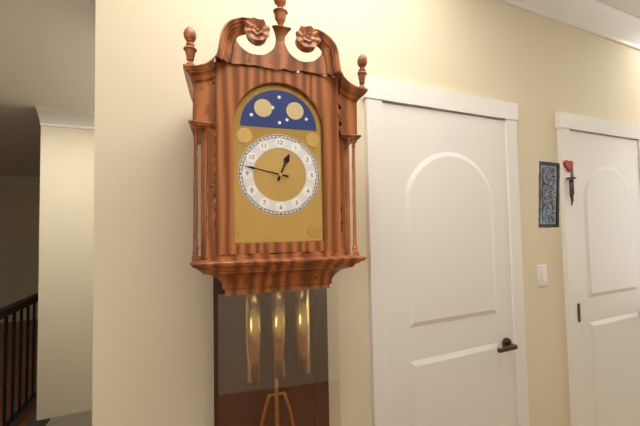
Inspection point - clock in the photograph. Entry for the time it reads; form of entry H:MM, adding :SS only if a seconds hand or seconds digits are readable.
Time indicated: 12:47
